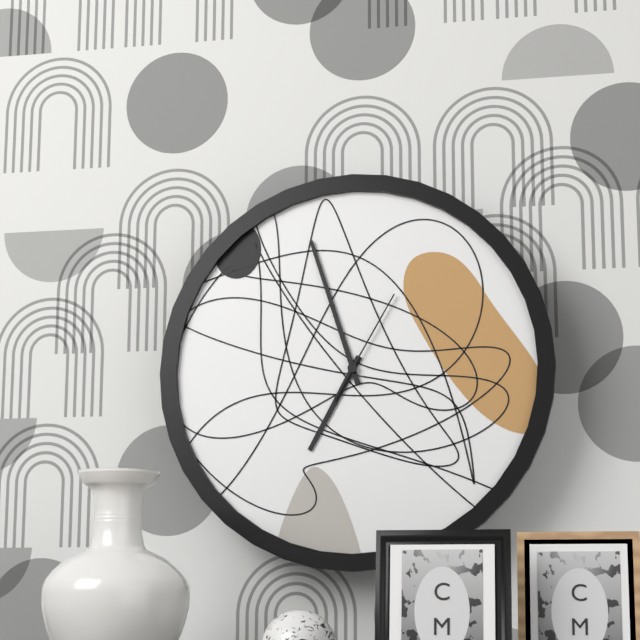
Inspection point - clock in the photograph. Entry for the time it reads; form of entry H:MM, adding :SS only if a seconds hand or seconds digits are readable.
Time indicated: 6:57:05
